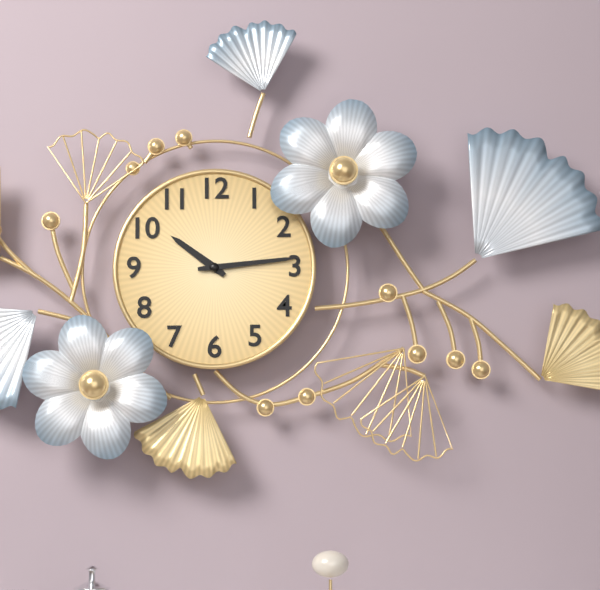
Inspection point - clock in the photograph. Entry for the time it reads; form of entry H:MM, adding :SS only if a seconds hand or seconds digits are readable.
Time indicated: 10:14
